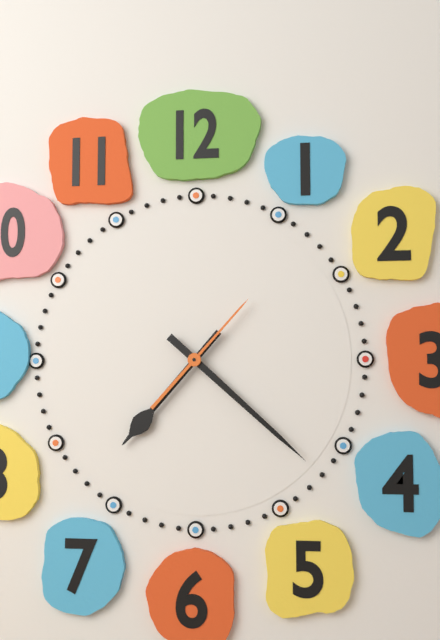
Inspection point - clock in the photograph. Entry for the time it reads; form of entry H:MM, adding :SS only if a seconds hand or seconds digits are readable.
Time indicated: 7:22:07
